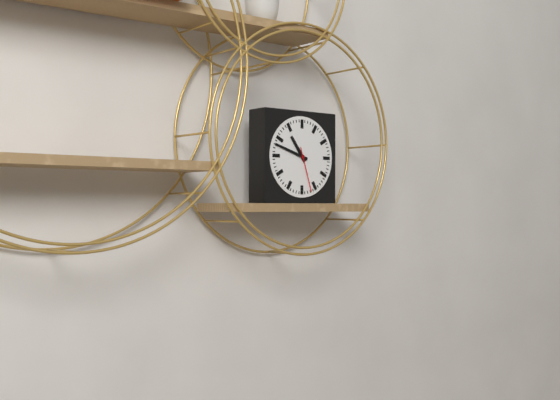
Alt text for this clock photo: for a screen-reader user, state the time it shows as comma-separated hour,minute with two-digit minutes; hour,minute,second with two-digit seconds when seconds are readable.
10,48
